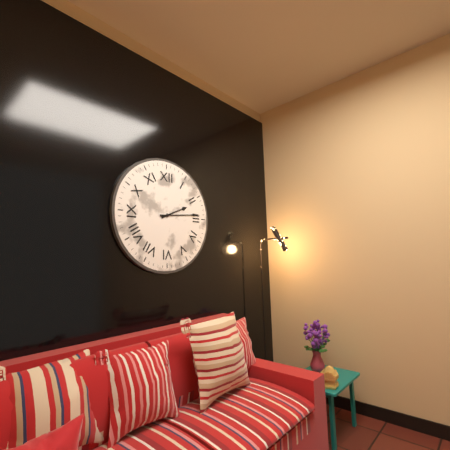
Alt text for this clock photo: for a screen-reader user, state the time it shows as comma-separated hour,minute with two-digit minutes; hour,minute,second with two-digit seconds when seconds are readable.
2,14
